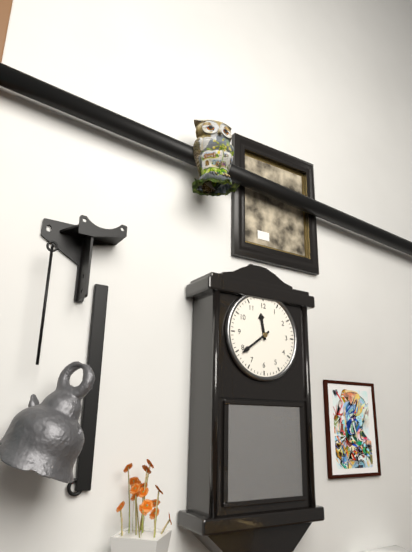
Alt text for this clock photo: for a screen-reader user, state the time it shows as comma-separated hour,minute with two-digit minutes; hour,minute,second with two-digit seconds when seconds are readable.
11,39
